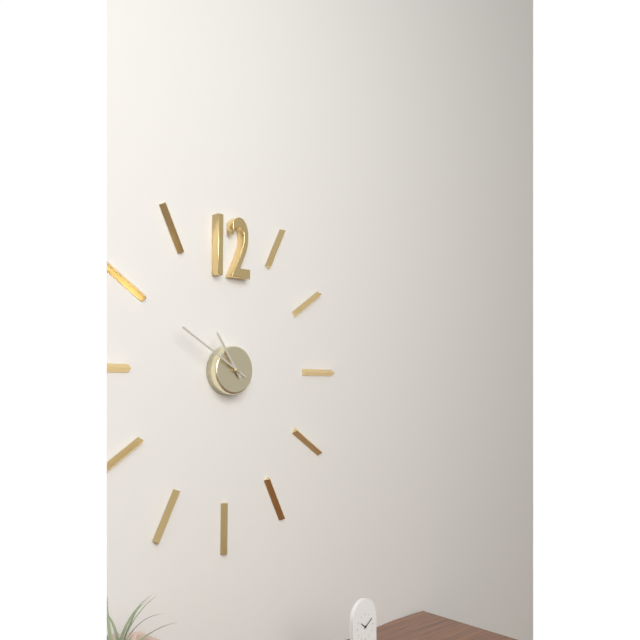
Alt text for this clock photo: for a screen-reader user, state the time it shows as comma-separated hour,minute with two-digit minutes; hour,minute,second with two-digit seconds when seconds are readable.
10,50
